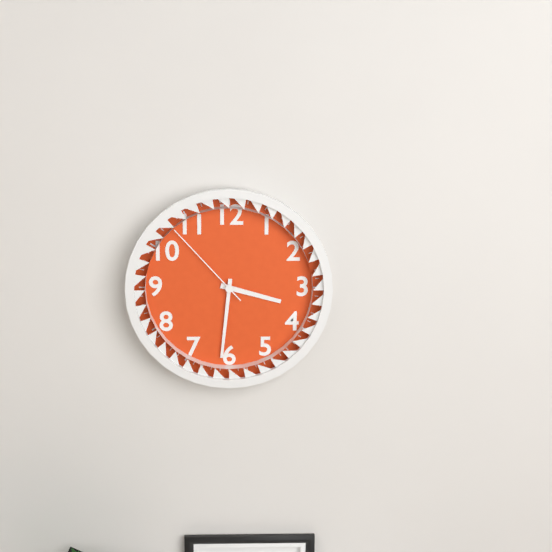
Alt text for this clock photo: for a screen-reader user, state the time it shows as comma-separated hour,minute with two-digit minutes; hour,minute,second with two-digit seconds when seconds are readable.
3,31,53
